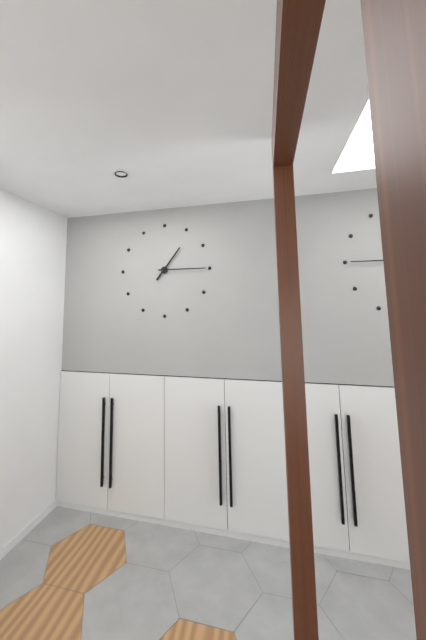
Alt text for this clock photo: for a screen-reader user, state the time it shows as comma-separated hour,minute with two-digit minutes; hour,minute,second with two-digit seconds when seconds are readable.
1,15
